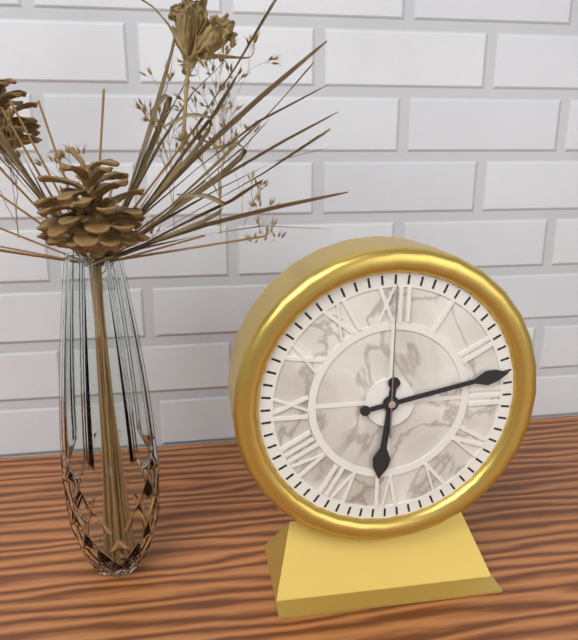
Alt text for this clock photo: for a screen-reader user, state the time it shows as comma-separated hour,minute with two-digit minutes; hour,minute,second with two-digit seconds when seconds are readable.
6,13,00
